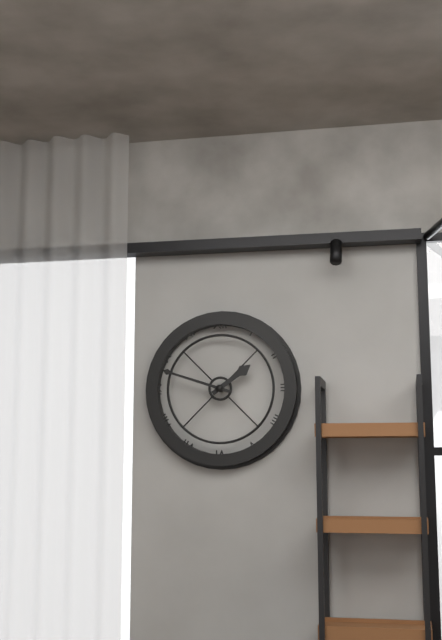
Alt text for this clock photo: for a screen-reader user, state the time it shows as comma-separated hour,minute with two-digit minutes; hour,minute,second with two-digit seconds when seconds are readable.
1,48
